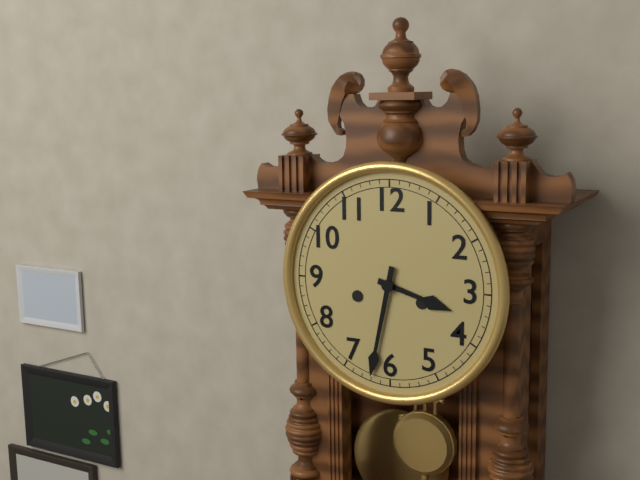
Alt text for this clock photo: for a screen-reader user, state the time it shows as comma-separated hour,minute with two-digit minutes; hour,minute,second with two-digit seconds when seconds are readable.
3,32
